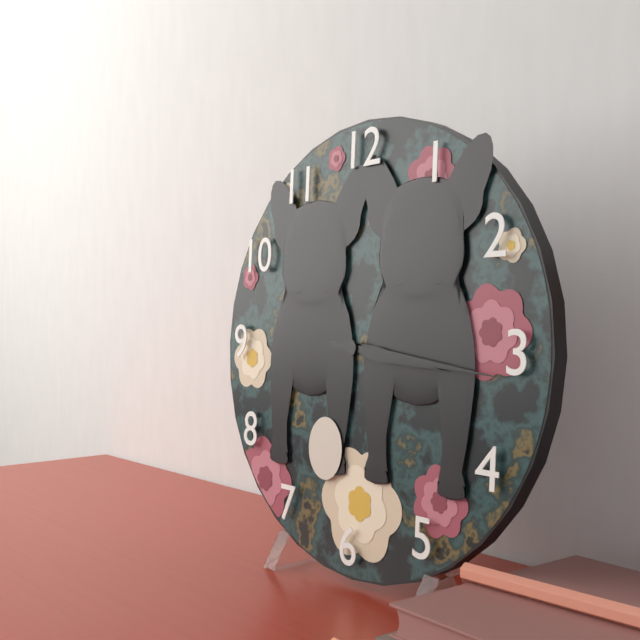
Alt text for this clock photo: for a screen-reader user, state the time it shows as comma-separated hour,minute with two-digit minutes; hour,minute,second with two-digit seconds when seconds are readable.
3,16
